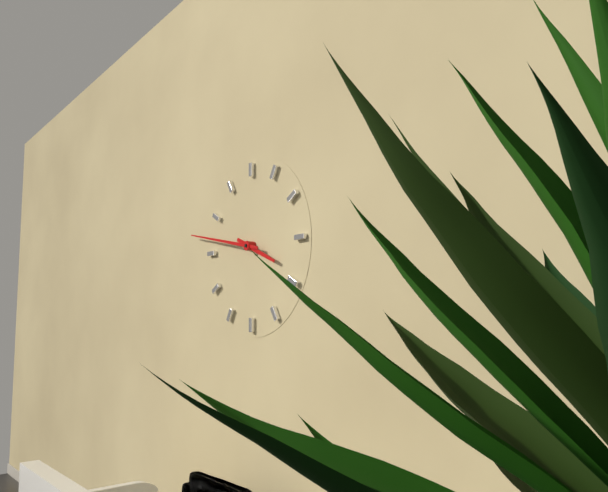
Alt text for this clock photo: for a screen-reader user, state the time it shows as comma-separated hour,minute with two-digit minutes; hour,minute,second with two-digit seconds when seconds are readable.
3,47
